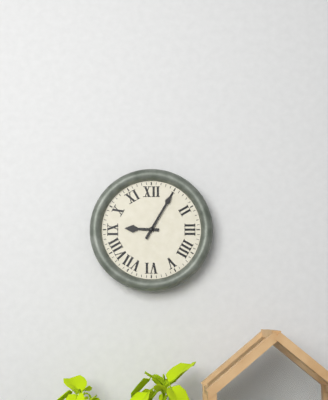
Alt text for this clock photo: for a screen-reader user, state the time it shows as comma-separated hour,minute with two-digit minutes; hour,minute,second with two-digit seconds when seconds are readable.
9,05
